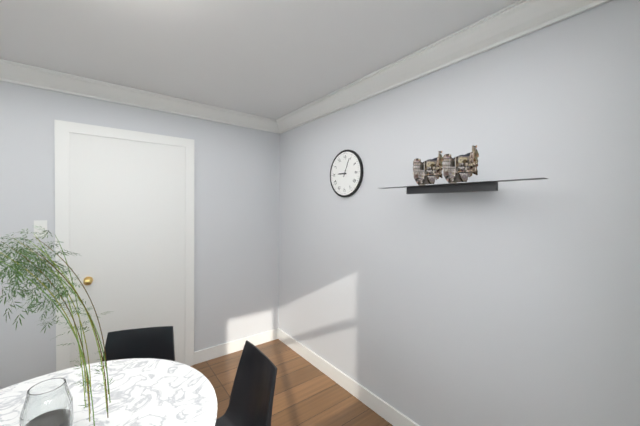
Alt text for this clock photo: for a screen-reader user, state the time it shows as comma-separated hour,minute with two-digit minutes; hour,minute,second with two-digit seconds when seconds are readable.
9,04
